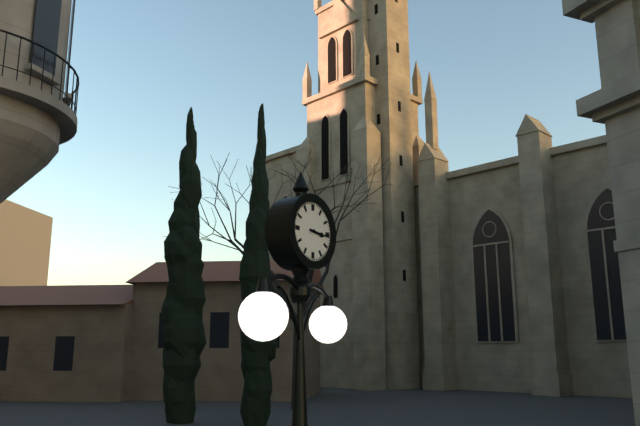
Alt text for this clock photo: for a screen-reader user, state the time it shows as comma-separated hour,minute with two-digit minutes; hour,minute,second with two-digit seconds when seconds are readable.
3,16
